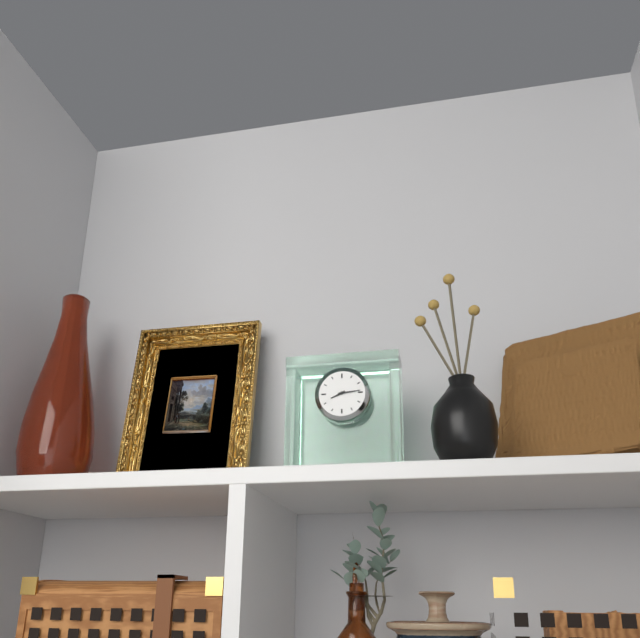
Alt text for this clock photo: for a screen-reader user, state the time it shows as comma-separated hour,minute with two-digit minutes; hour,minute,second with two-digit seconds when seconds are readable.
8,14
